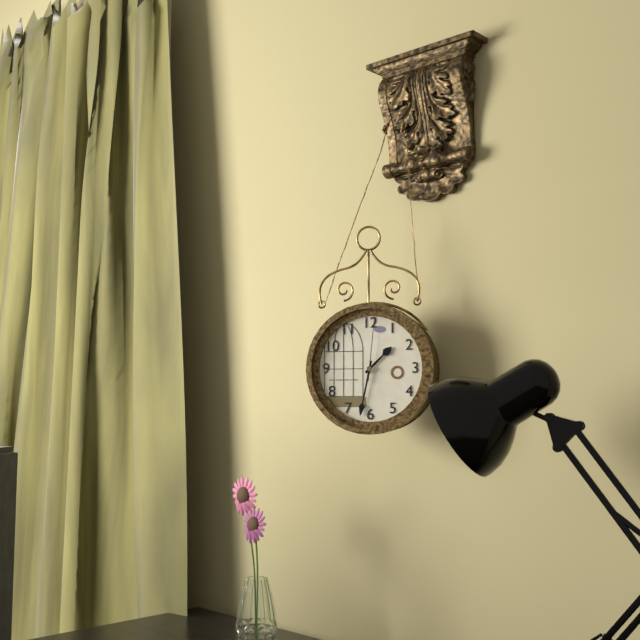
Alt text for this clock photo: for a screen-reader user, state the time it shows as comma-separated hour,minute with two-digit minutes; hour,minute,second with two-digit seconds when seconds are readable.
1,32,01
